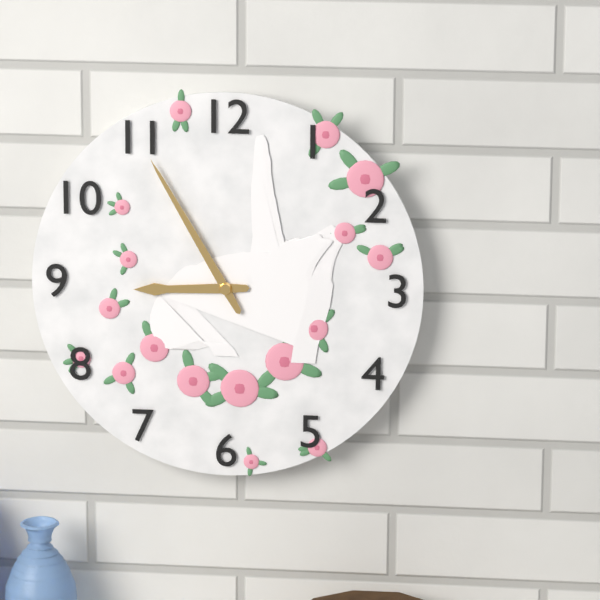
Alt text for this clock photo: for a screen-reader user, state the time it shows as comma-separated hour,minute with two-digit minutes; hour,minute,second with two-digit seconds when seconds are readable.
8,55
